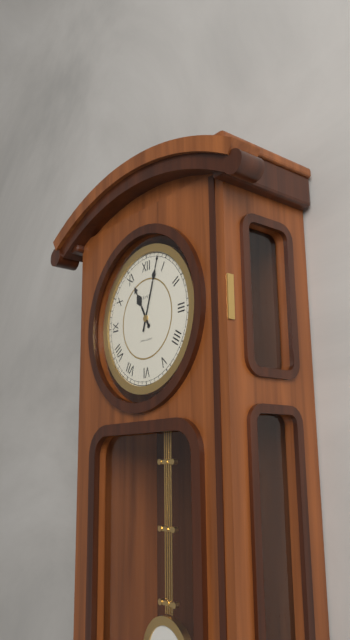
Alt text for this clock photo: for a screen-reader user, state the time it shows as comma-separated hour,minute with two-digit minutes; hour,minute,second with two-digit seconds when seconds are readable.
11,03
